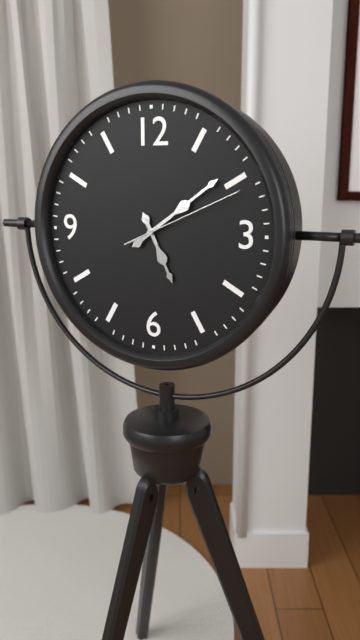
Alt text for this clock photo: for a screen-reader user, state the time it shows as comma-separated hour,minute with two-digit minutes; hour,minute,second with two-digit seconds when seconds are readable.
5,09,11
